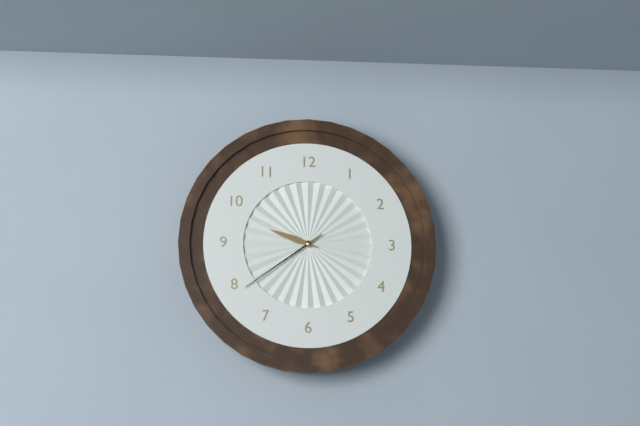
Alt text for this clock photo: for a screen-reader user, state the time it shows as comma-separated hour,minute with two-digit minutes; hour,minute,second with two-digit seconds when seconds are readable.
9,39
